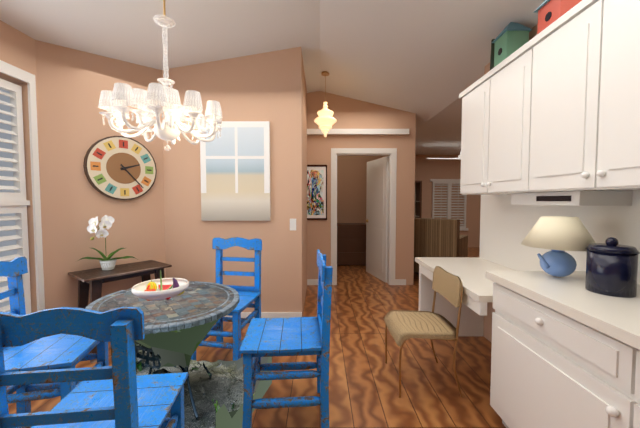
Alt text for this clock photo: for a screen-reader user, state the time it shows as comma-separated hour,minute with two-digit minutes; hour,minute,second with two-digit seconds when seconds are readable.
2,23
